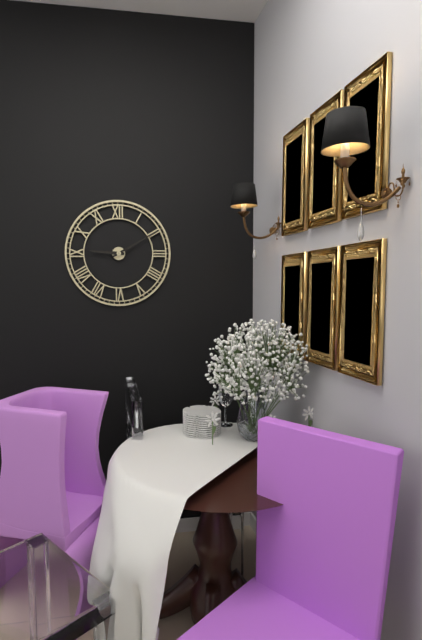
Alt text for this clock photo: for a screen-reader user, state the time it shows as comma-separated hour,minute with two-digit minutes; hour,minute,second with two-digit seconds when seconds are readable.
9,10
